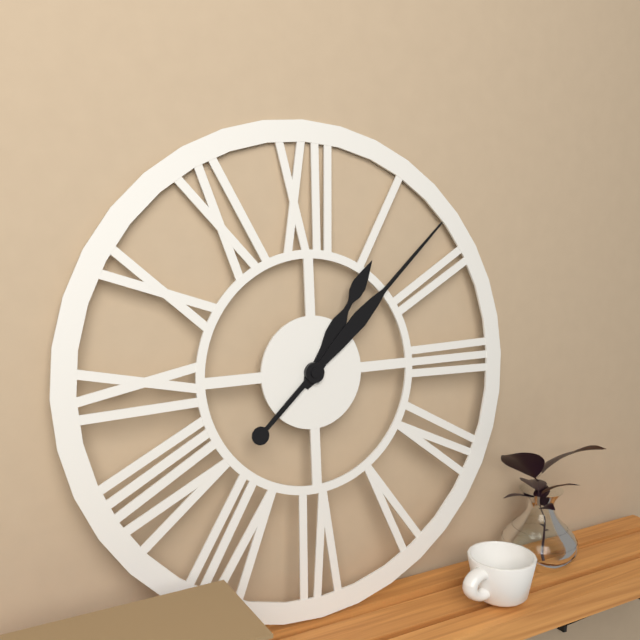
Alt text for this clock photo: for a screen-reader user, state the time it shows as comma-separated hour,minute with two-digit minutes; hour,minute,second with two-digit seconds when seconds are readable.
1,08
